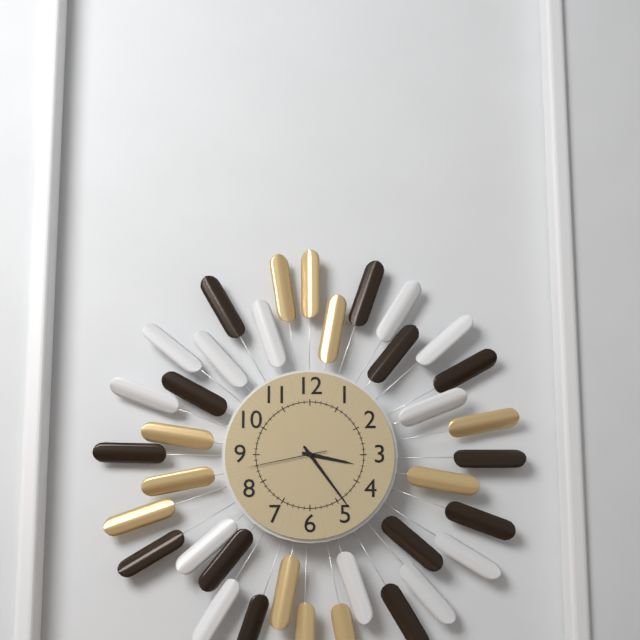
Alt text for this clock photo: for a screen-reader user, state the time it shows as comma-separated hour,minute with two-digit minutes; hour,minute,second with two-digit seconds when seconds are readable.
3,24,43
